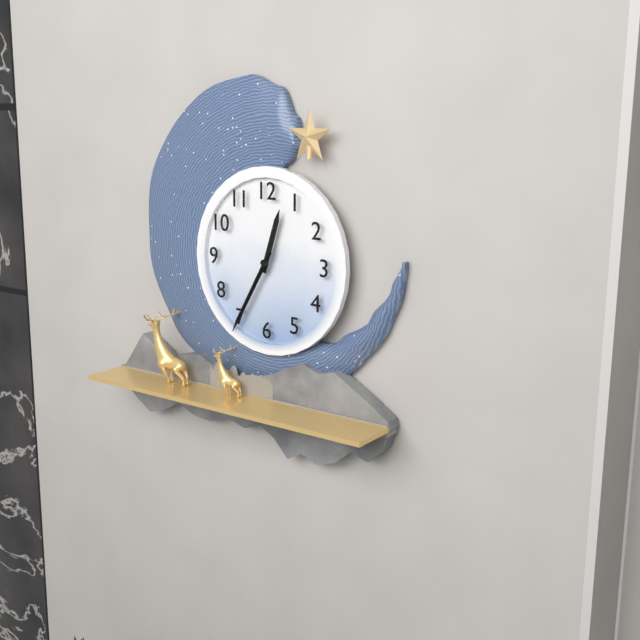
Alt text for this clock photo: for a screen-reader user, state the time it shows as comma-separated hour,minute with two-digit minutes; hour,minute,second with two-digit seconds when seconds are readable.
12,35,35
